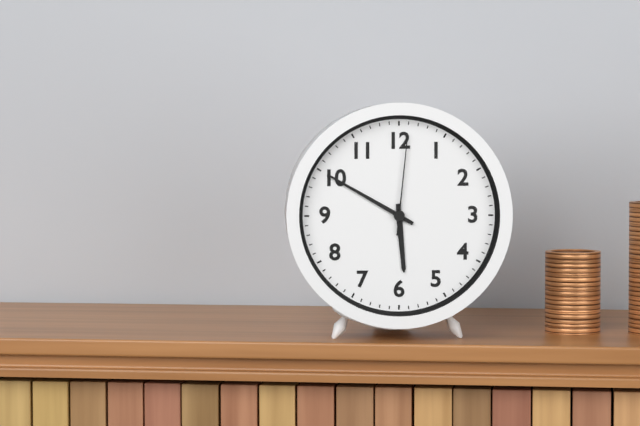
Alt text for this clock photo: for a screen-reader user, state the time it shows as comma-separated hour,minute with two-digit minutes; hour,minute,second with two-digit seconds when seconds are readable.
5,50,01
